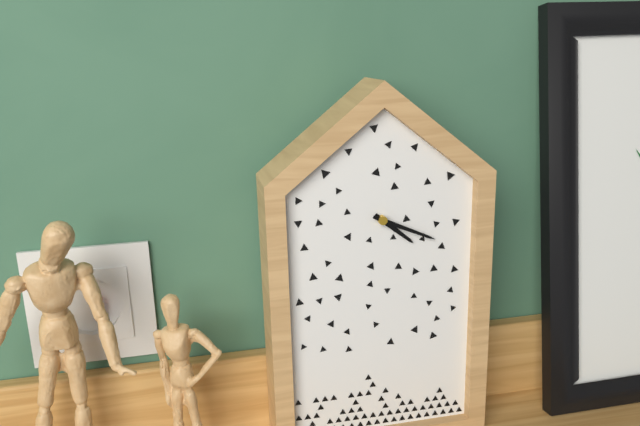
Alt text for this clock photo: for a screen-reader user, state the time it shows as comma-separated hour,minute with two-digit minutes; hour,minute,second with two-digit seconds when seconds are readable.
4,19
